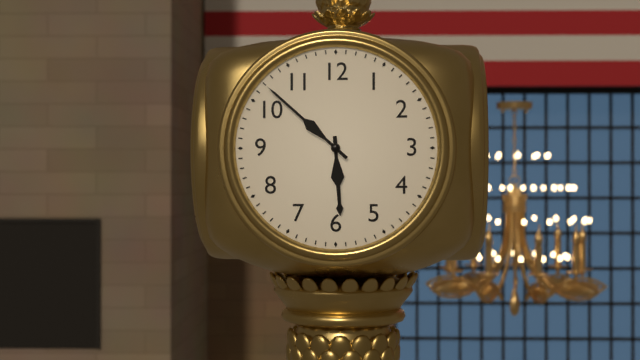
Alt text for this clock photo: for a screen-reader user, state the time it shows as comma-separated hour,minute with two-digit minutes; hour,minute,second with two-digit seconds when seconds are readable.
5,52
